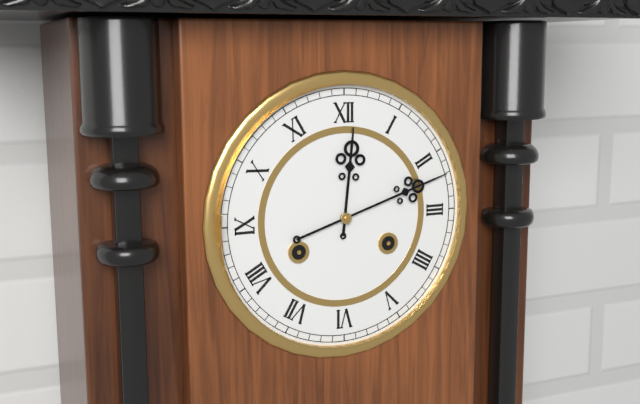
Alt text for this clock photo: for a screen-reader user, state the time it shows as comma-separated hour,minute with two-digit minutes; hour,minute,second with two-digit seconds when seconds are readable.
12,12
